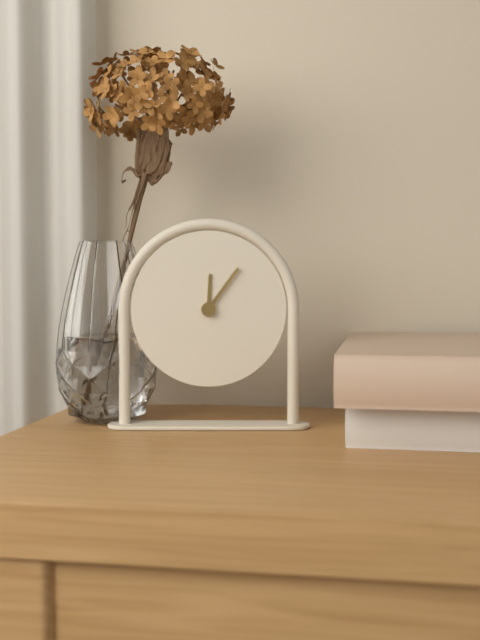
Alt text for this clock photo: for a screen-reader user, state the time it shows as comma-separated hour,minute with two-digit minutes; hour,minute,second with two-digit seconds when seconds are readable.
12,06
